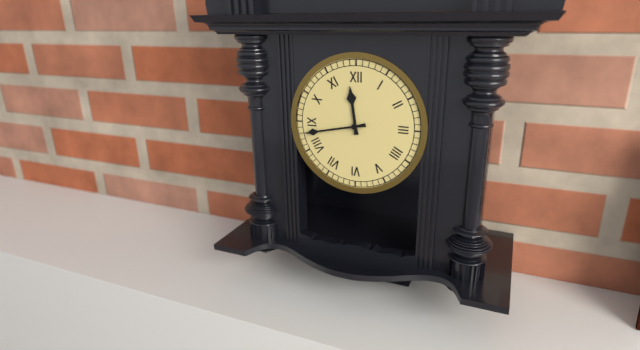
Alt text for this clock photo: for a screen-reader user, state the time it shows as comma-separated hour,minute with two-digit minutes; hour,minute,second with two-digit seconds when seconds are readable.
11,43
